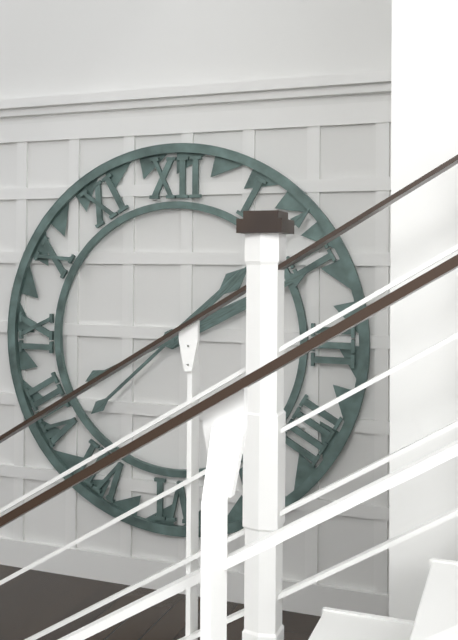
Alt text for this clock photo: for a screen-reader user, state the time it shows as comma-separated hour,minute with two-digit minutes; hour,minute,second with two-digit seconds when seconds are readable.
2,08
